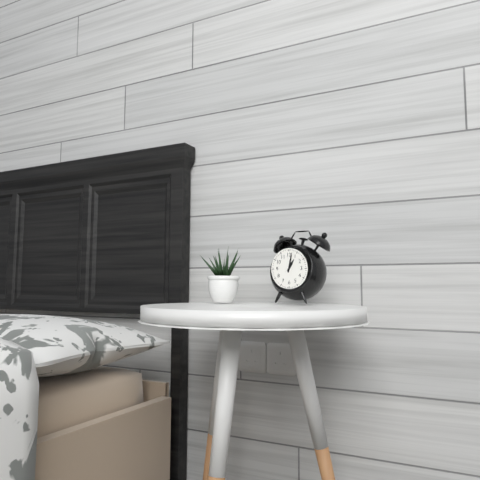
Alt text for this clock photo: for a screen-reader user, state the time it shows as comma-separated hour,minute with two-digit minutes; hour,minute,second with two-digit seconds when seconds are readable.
1,02
